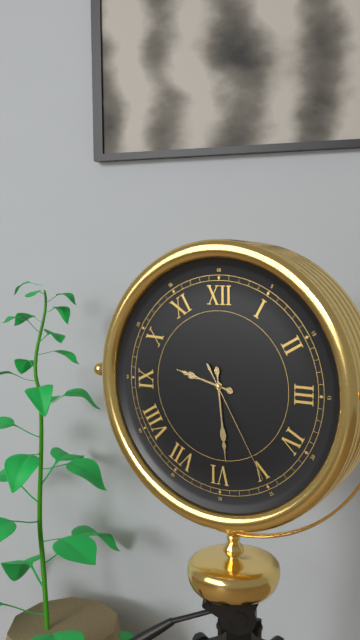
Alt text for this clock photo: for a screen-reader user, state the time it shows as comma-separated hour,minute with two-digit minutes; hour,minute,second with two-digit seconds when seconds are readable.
9,29,25
